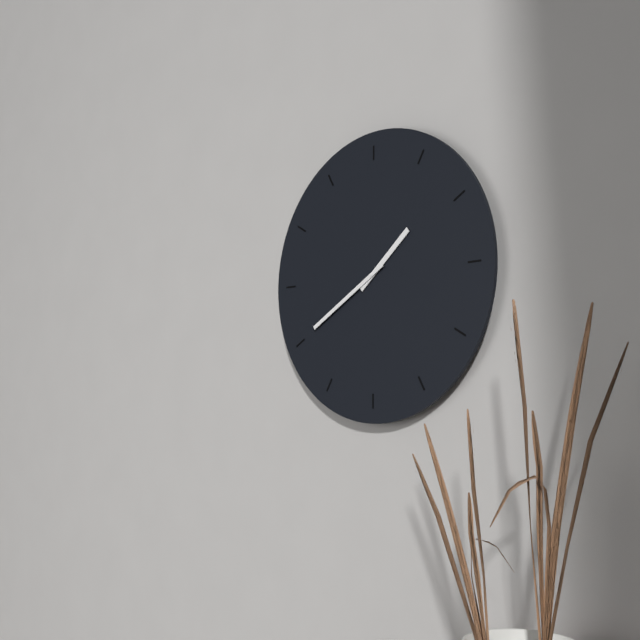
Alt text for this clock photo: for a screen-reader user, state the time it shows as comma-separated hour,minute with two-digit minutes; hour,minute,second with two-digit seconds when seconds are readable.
1,40
